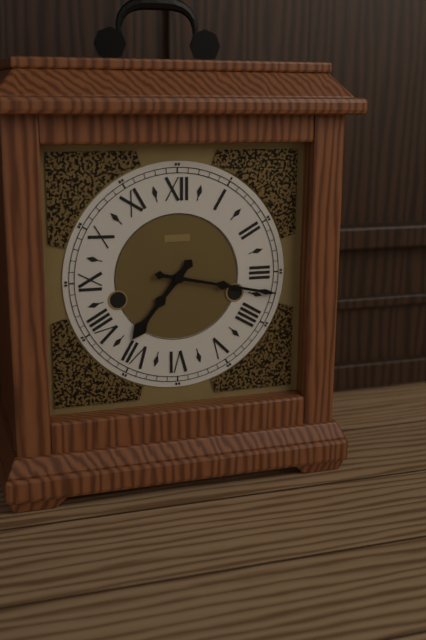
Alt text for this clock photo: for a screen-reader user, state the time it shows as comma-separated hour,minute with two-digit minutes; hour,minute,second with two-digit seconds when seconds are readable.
7,17
